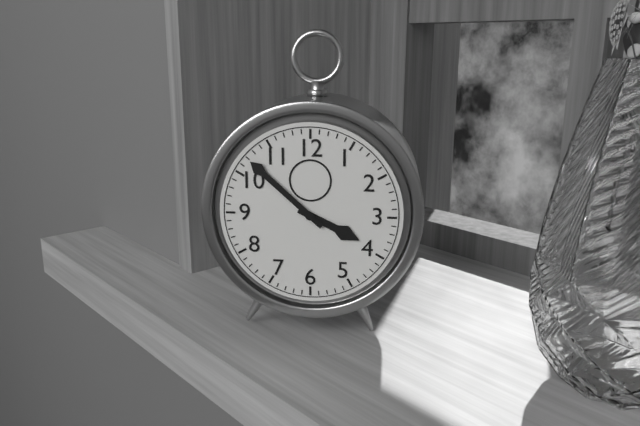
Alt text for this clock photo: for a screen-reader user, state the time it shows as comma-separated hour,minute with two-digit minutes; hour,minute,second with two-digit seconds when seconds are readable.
3,52
